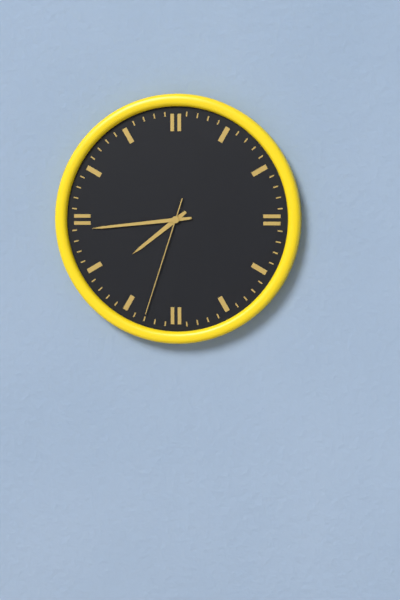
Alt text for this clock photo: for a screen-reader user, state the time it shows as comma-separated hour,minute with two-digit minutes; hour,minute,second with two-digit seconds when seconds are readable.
7,44,33
